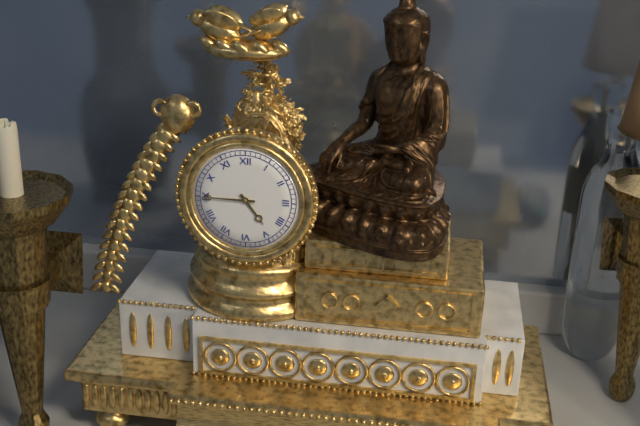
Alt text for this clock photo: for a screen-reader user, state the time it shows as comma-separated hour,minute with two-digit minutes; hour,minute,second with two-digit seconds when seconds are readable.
4,45
